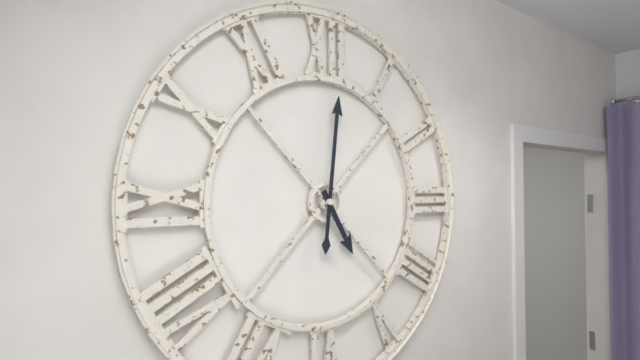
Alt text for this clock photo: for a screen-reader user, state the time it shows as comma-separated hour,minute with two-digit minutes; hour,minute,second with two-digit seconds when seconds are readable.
5,01
